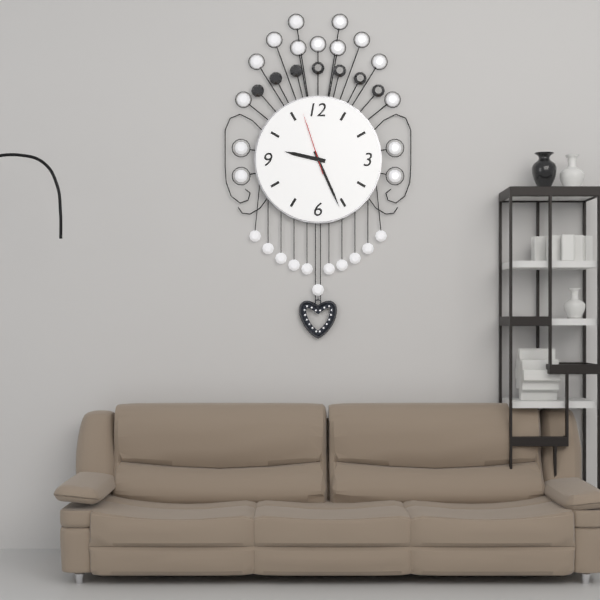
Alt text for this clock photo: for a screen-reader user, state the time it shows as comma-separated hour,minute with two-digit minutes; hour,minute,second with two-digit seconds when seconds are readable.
9,26,57
